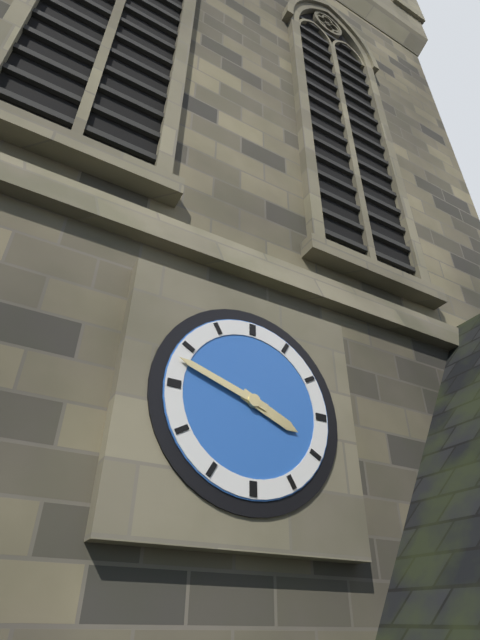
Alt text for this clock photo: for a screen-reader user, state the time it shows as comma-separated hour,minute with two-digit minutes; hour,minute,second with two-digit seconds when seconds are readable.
3,48
